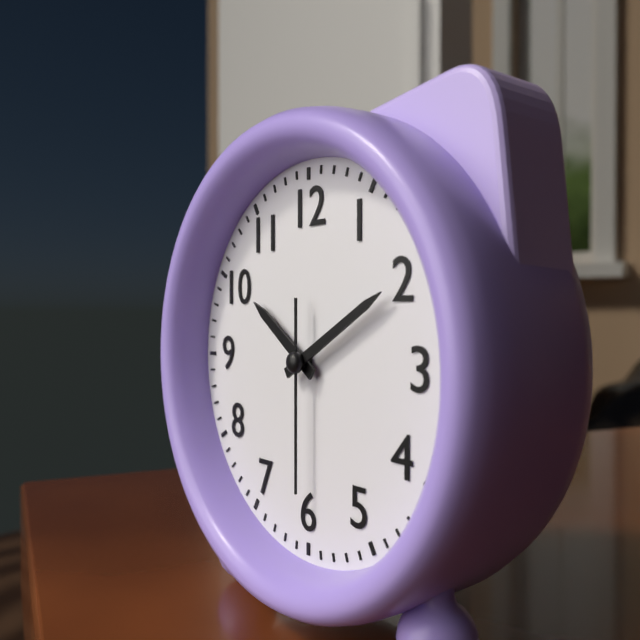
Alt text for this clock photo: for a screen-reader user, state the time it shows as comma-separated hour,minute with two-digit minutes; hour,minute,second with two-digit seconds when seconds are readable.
10,10,30
